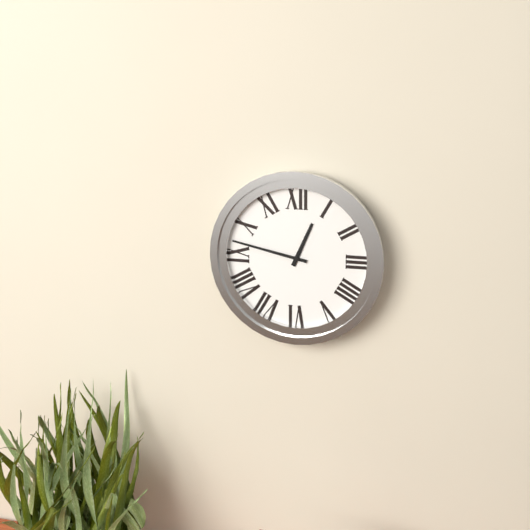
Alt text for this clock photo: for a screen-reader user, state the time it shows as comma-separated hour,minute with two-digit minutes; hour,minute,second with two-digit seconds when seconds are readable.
12,47
